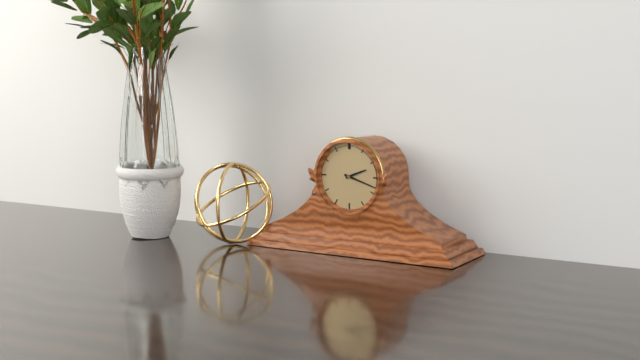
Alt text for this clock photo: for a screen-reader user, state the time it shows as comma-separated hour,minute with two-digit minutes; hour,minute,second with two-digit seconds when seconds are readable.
2,18
